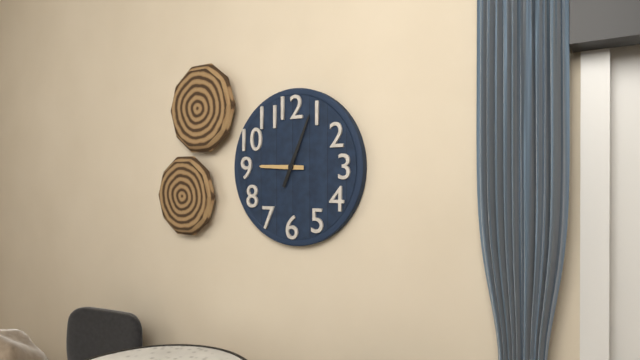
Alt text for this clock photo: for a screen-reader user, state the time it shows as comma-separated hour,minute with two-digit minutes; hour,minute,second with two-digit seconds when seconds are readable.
9,04
